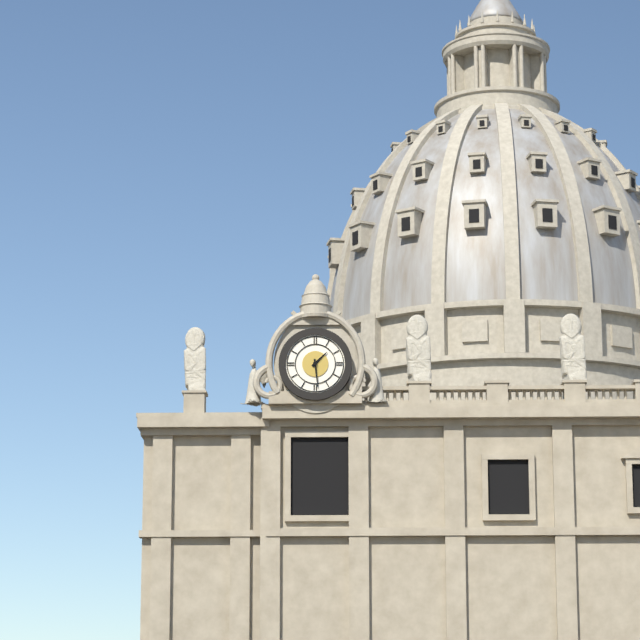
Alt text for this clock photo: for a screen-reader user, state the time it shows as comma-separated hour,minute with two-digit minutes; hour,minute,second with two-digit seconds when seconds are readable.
1,29
